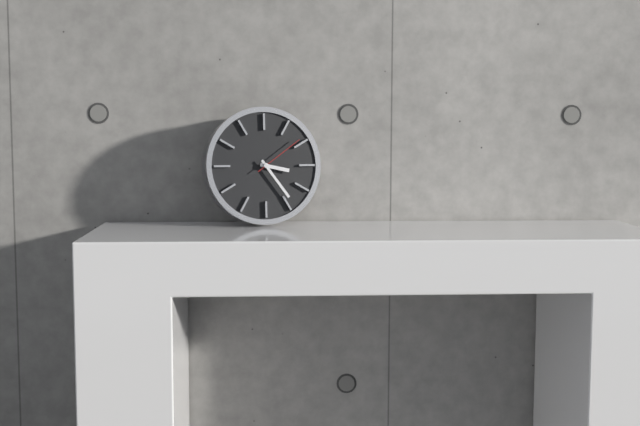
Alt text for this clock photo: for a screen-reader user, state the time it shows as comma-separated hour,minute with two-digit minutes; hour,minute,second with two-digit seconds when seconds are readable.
3,24,09
